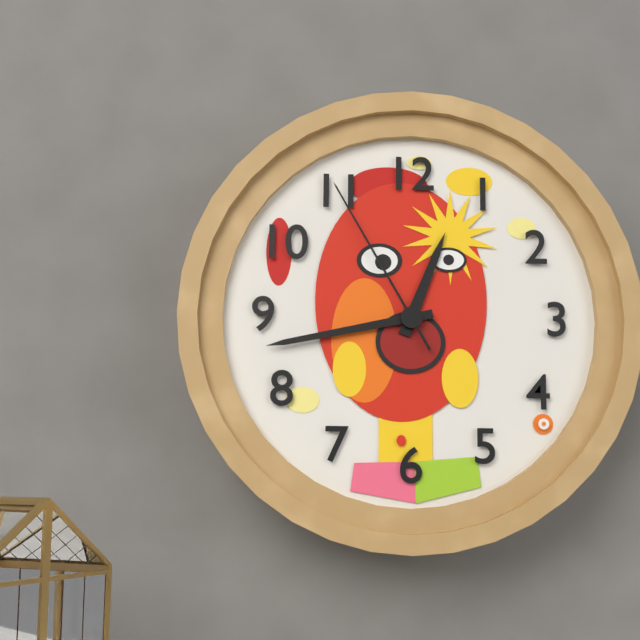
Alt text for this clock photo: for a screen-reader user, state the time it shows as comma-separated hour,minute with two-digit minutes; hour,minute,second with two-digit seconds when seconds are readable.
12,43,55
